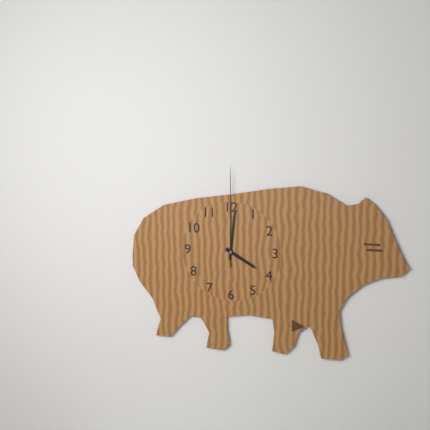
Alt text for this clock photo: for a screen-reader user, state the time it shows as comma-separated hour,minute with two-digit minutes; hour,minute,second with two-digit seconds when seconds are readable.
4,01,00
